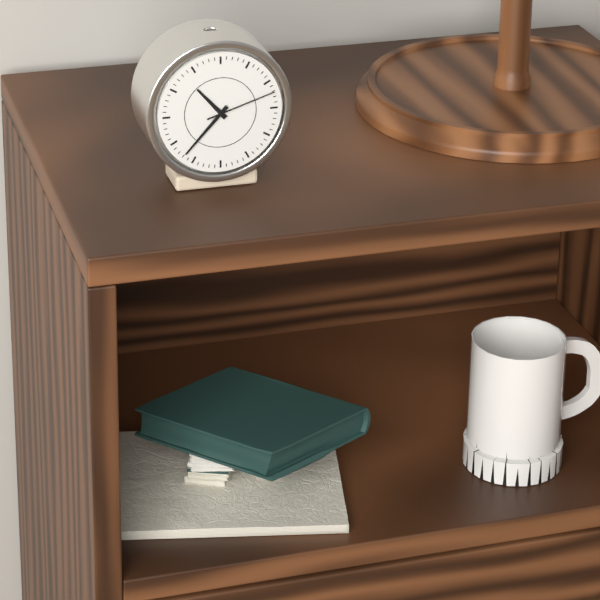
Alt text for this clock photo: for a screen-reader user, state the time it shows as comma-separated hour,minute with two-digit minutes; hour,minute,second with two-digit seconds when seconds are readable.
10,37,12
